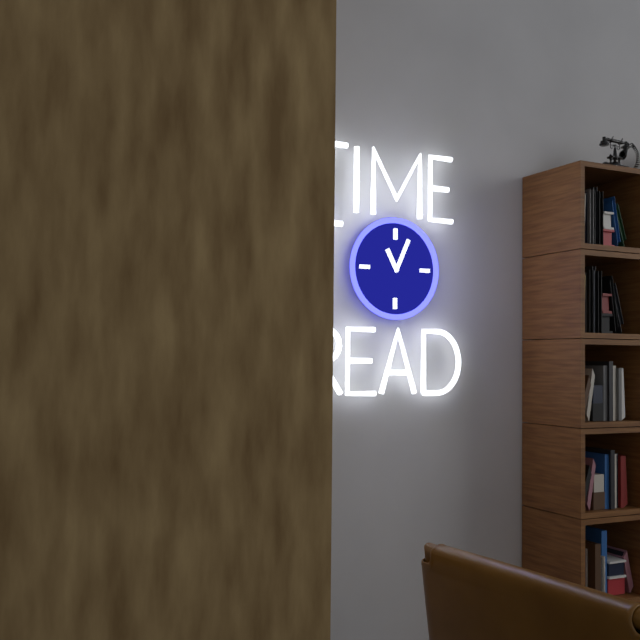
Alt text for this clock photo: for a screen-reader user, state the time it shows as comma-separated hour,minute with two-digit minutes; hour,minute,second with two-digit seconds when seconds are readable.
11,04
